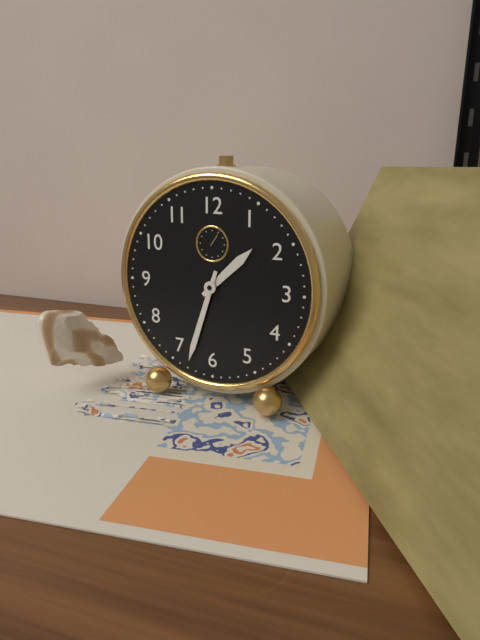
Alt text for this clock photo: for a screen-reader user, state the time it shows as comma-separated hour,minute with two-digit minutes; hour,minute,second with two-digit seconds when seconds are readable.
1,33
